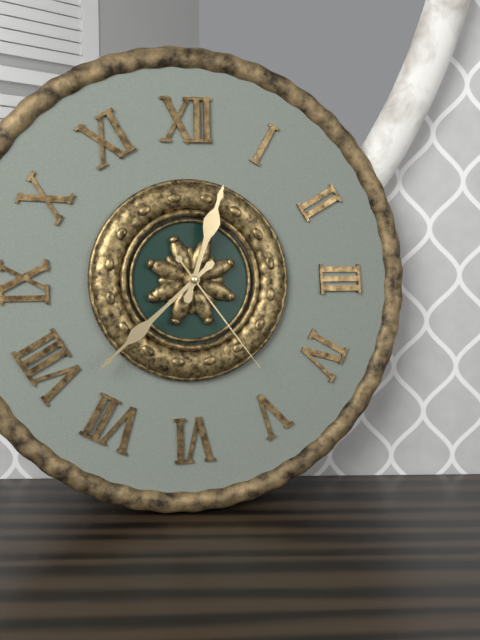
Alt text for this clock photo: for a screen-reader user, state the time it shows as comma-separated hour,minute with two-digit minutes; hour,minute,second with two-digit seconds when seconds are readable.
12,38,24
